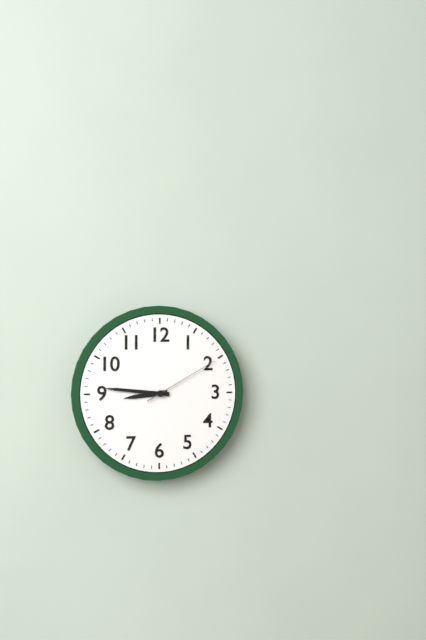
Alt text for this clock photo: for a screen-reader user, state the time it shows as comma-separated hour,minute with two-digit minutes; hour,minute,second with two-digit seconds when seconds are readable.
8,46,10
